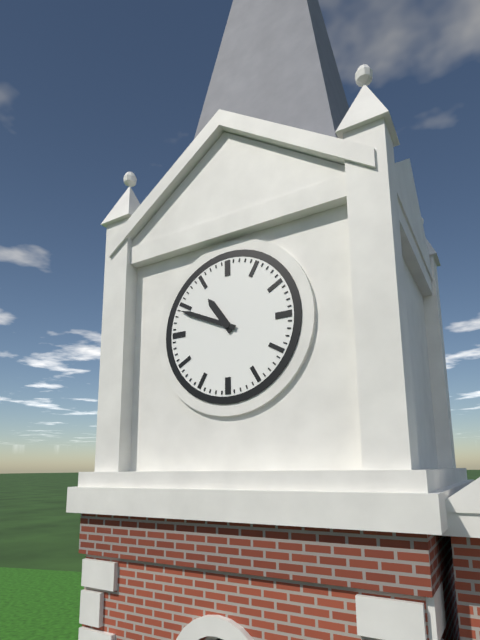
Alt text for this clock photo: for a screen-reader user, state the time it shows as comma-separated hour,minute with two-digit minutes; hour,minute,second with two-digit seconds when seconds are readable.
10,49
